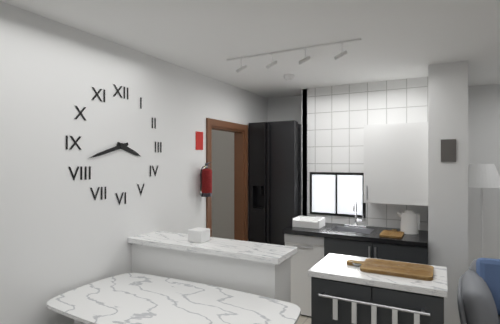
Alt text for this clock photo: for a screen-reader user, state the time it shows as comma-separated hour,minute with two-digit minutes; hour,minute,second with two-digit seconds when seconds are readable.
3,42
